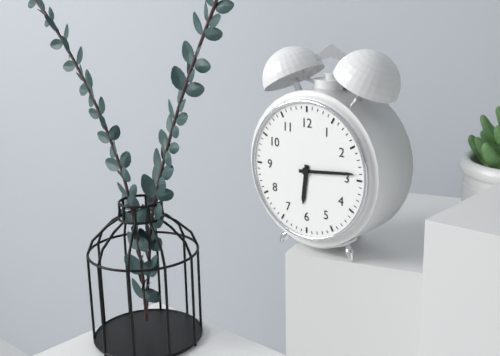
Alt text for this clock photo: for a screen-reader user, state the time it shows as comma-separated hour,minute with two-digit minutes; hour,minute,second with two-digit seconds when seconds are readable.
6,14
